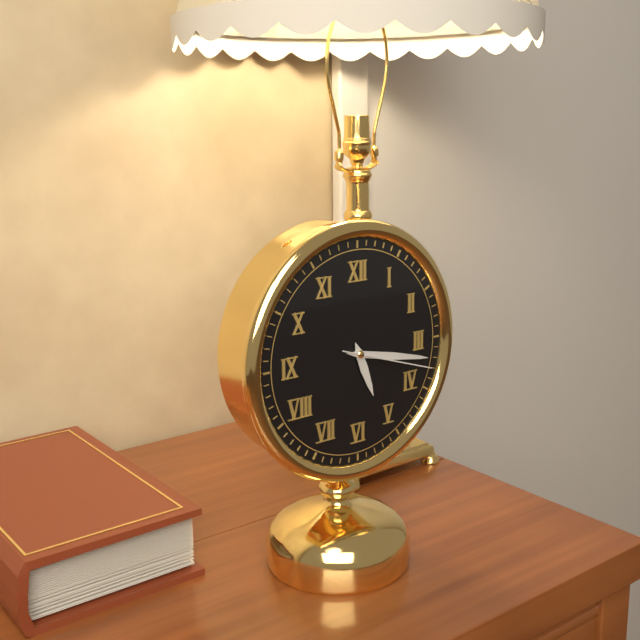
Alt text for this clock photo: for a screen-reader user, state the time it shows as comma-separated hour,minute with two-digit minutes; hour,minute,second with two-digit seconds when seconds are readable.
5,17,18
